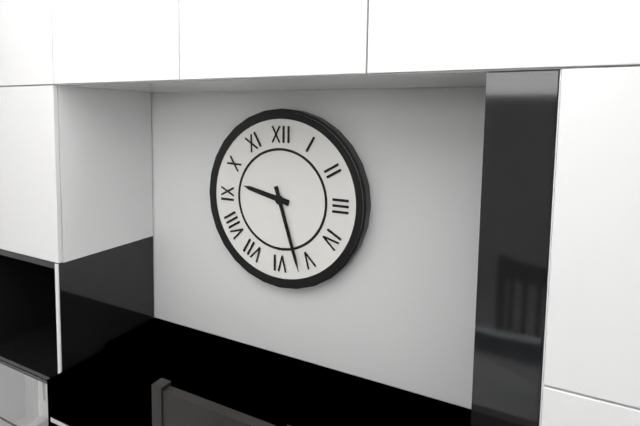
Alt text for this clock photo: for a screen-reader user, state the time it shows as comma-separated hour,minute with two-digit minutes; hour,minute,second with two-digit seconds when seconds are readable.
9,27
